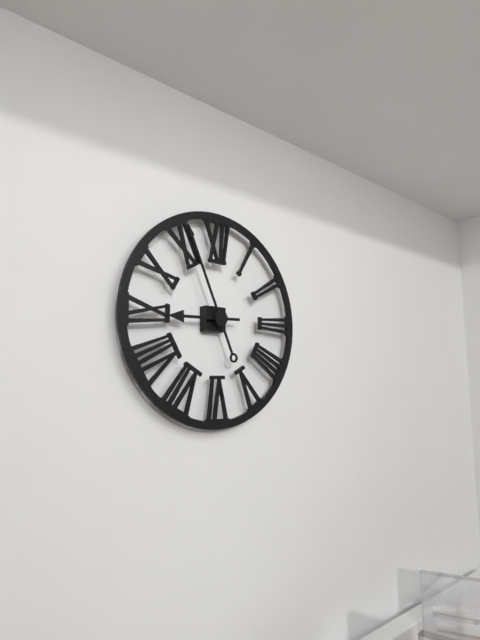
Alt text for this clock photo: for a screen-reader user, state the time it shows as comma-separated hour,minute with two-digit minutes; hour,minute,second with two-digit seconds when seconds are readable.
8,56
